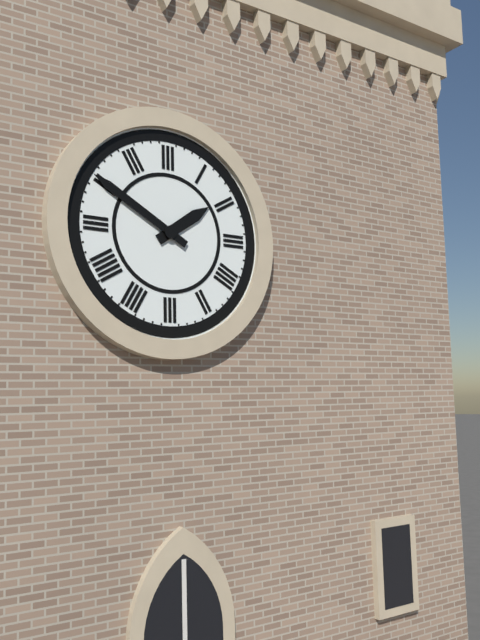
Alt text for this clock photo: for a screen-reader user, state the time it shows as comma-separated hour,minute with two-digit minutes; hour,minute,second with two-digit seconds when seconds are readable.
1,50
